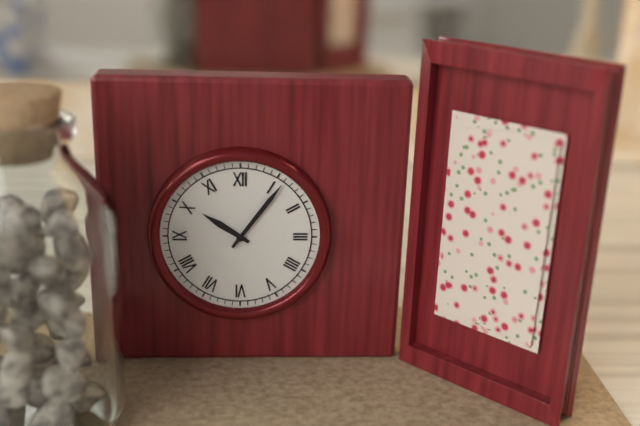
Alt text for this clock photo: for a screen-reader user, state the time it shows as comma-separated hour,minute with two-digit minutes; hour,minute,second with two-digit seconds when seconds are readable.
10,06
